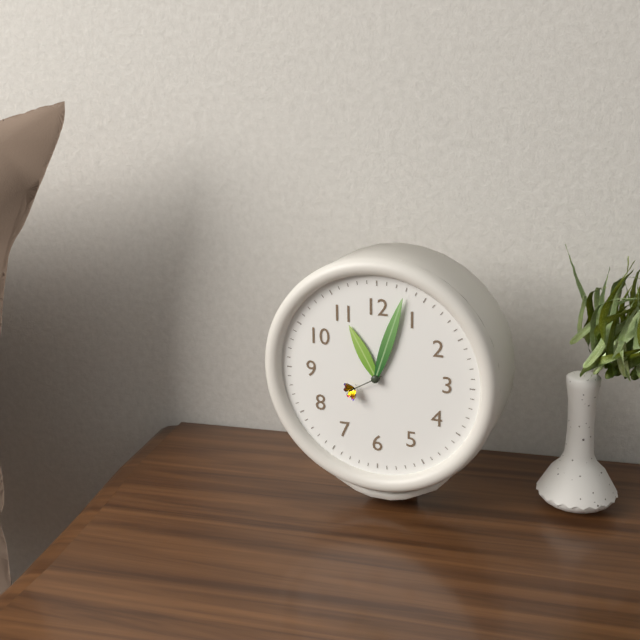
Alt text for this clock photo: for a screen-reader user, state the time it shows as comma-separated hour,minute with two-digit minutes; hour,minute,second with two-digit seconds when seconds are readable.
11,03
